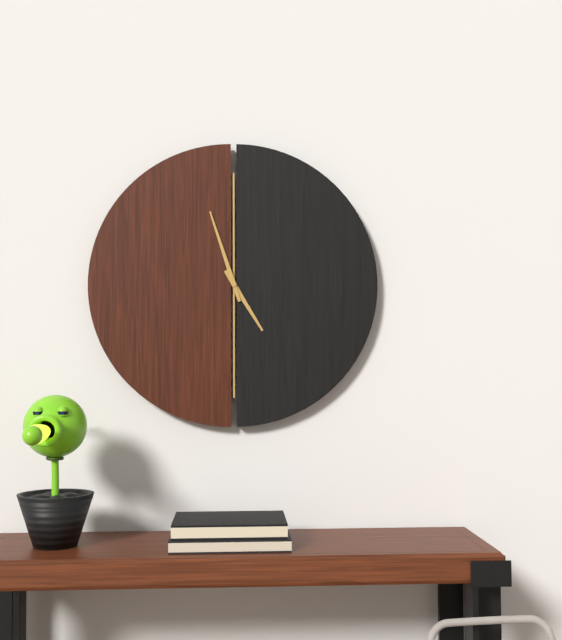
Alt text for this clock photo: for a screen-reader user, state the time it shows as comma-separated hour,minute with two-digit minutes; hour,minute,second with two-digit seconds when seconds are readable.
4,57
